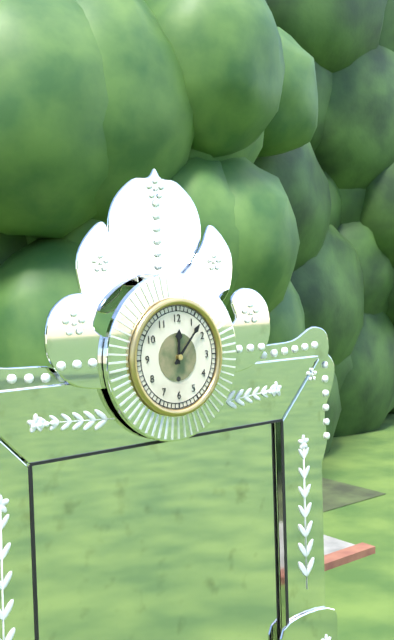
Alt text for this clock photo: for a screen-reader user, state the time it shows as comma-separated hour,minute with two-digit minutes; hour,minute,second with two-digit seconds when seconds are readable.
12,07
